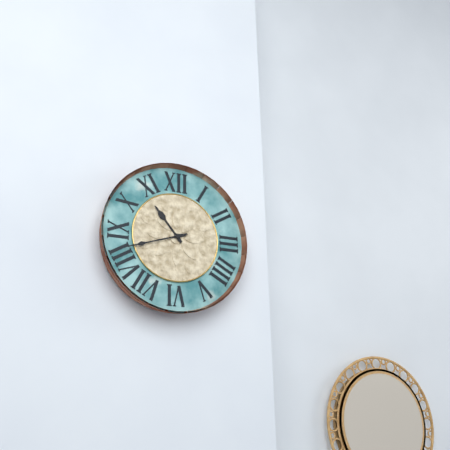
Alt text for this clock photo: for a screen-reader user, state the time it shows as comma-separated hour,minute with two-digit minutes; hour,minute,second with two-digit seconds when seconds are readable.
10,42
